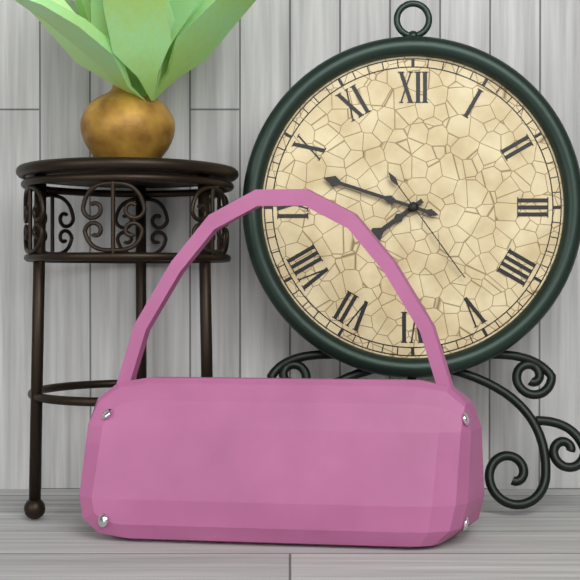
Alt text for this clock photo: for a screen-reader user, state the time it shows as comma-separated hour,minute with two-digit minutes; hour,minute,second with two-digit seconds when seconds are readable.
7,48,24
